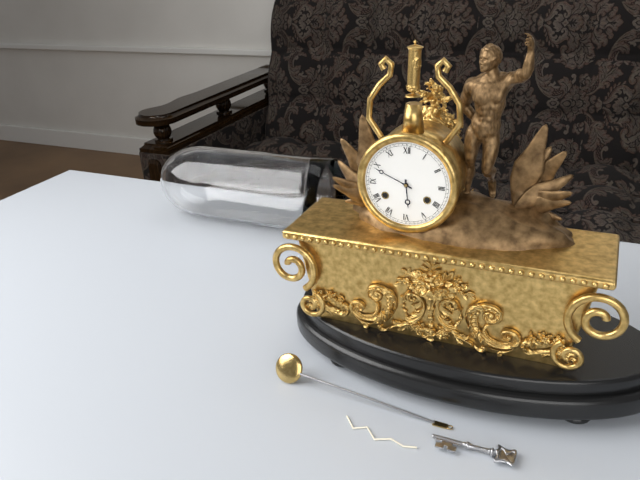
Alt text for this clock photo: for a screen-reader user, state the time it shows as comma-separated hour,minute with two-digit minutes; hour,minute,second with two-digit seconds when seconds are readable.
5,49
